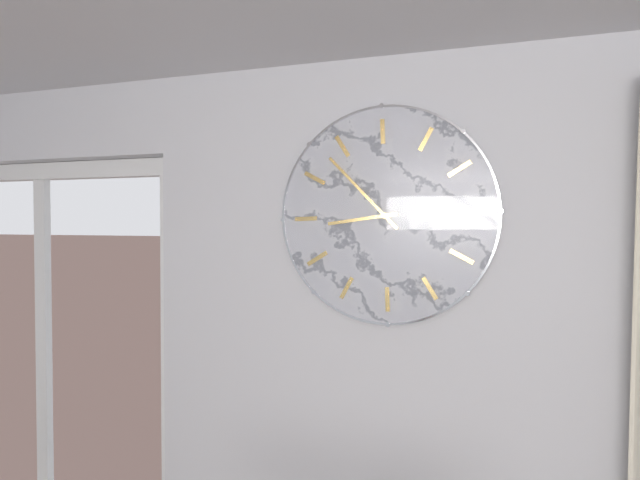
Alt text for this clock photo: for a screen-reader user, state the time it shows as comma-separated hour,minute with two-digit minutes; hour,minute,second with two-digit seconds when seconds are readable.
7,48
